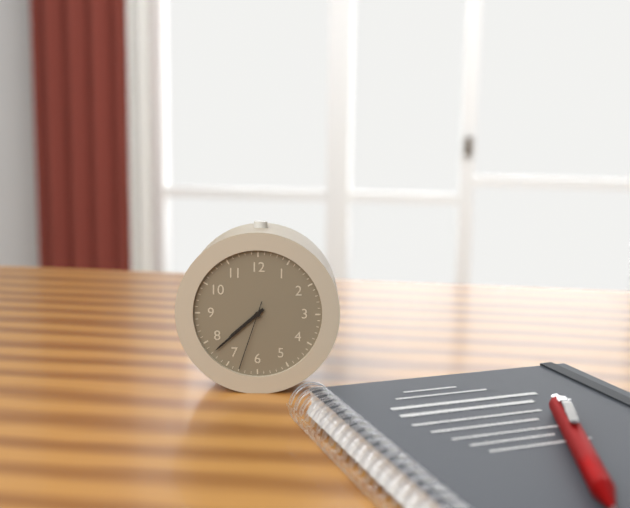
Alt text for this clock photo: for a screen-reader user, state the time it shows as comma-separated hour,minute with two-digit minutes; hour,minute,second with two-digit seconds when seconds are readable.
7,38,33
